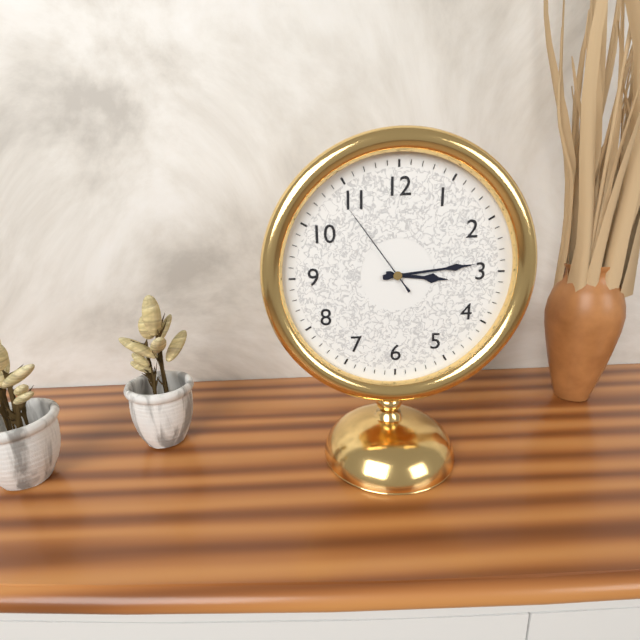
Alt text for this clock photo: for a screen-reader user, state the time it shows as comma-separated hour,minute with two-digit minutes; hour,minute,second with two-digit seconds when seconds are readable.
3,14,54
